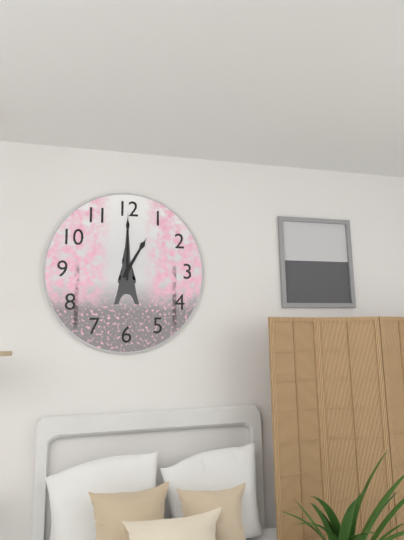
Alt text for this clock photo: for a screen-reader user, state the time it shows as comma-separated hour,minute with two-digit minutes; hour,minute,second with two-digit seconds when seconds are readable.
1,00
